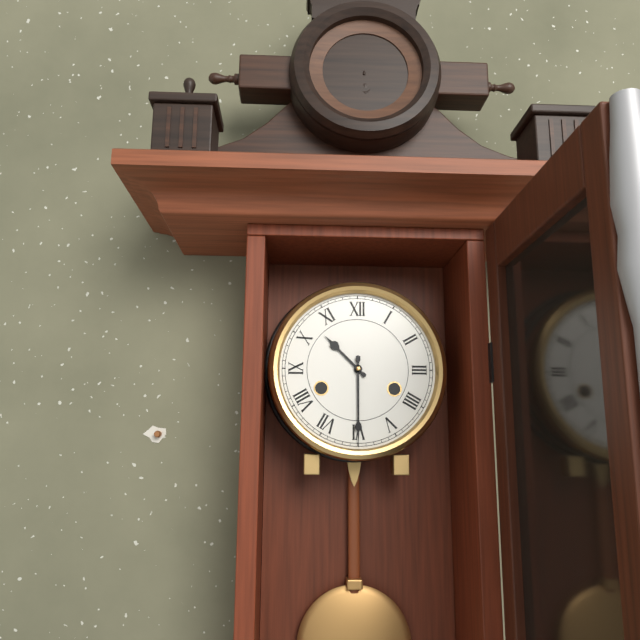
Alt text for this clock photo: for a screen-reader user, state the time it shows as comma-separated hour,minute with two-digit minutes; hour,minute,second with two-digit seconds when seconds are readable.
10,30
